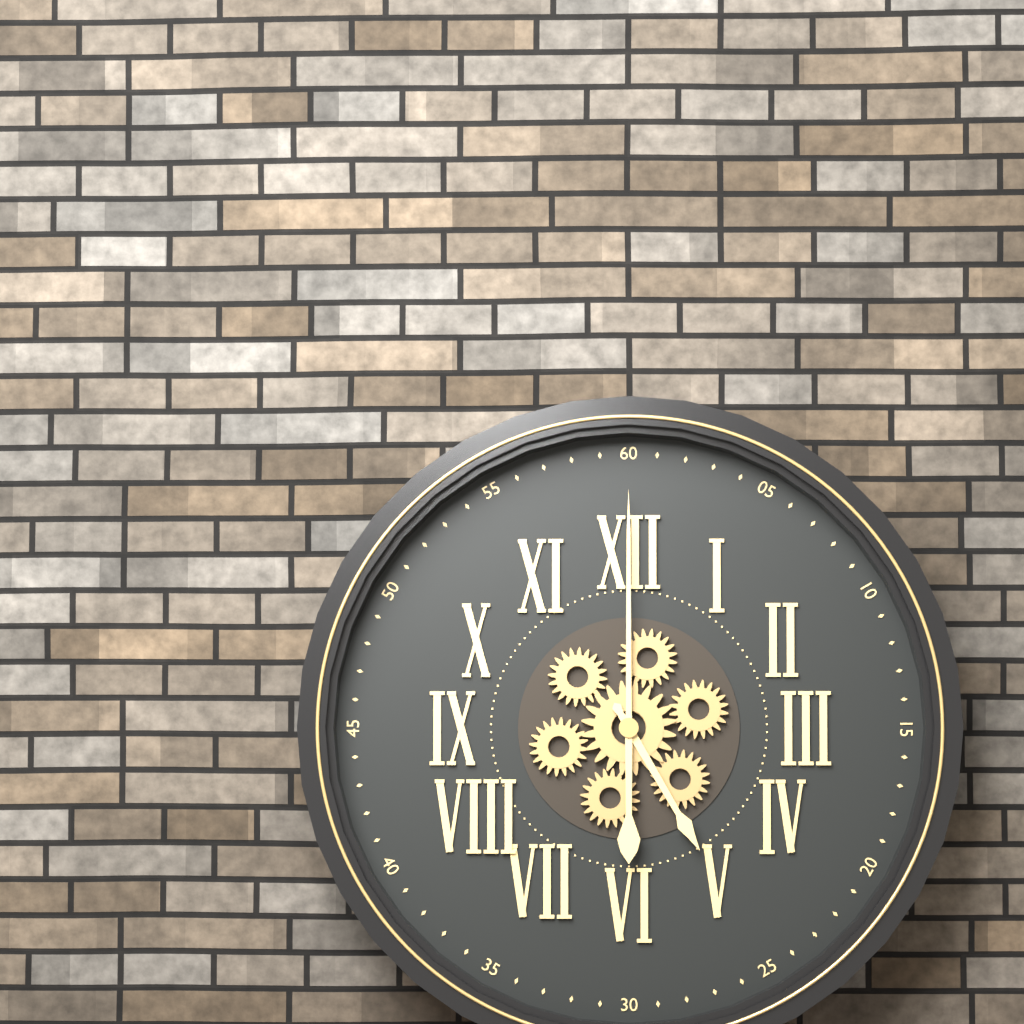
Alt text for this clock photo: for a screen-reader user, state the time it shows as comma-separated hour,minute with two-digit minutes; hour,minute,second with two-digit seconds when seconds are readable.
5,00
